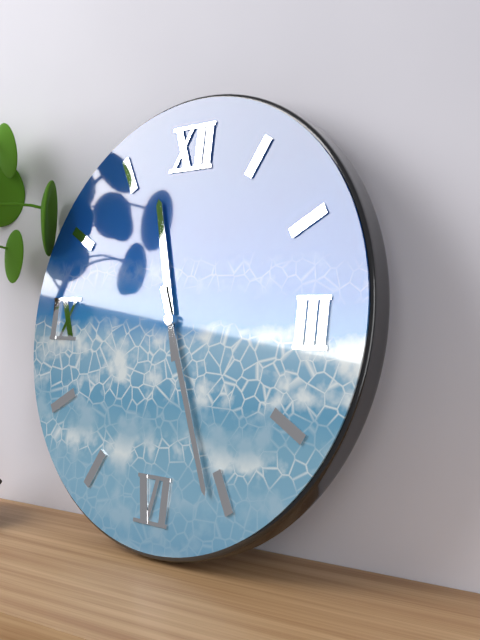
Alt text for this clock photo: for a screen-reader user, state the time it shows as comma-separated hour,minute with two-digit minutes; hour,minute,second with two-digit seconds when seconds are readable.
11,26
